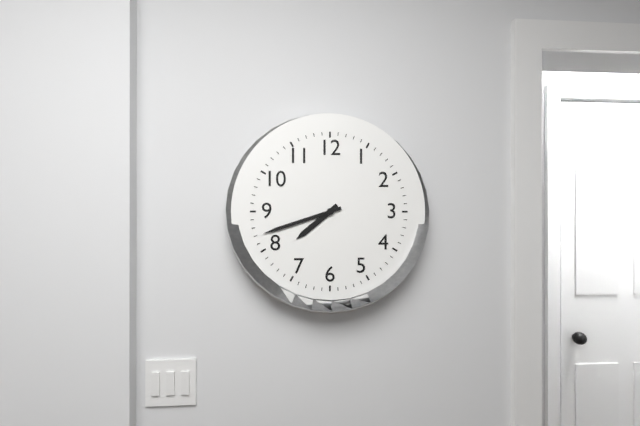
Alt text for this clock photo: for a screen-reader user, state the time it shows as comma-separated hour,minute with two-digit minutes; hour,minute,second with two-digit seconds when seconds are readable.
7,42
